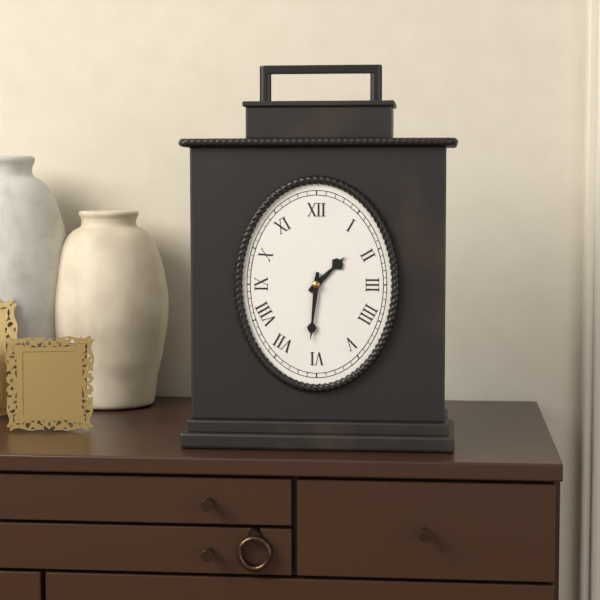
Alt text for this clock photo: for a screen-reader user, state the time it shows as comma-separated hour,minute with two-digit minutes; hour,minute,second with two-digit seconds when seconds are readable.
1,31
